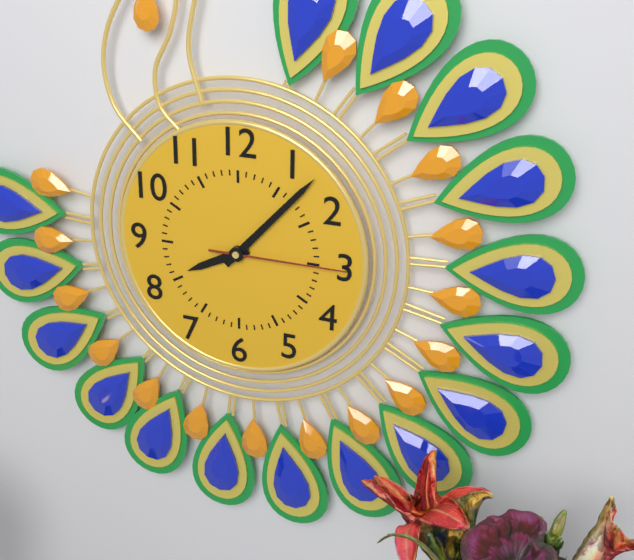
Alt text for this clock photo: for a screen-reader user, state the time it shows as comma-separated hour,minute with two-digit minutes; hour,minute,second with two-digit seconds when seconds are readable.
8,07,15
